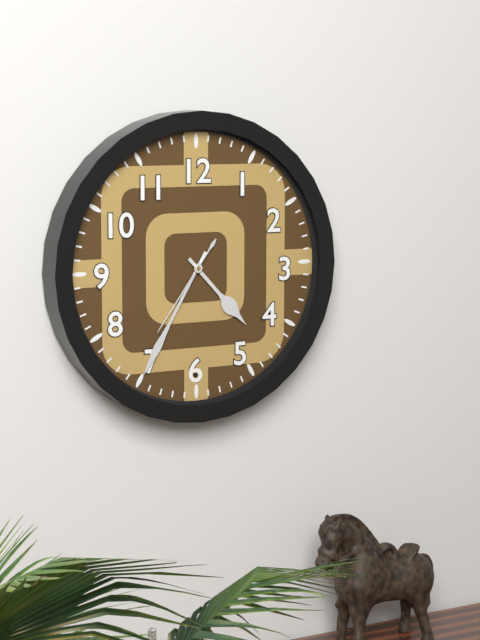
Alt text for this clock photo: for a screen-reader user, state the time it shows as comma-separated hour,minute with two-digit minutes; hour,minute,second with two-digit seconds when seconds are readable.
4,35,36
